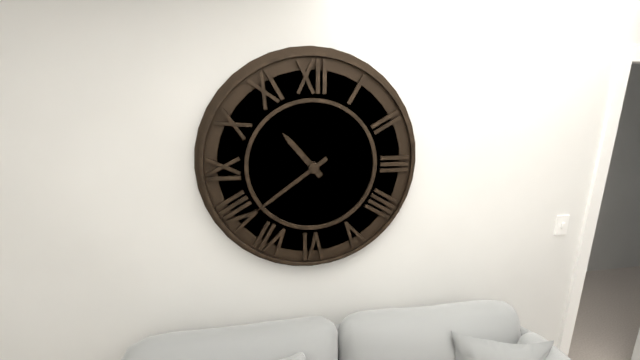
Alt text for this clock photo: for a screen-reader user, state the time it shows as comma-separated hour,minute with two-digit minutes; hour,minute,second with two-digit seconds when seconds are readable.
10,39
